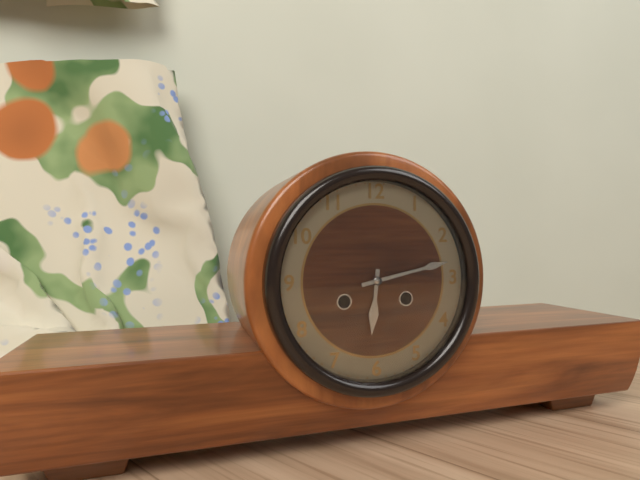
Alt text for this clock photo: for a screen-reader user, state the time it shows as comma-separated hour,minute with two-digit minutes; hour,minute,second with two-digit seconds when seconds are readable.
6,13
